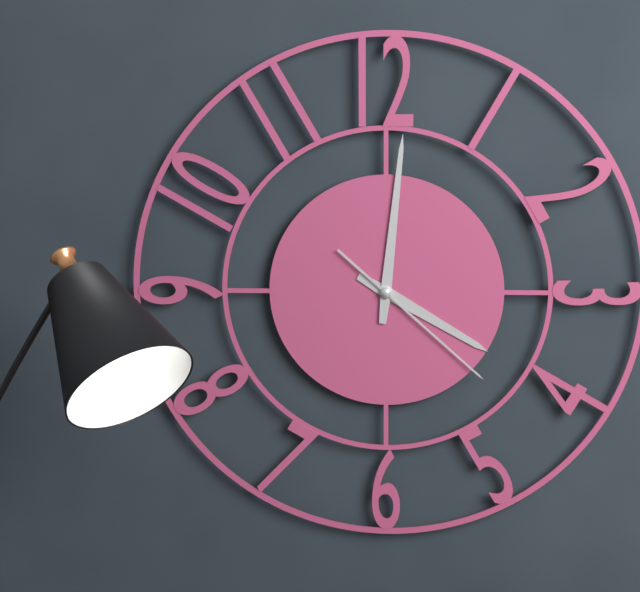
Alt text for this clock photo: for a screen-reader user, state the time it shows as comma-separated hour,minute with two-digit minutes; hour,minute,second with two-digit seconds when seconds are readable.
4,01,22
